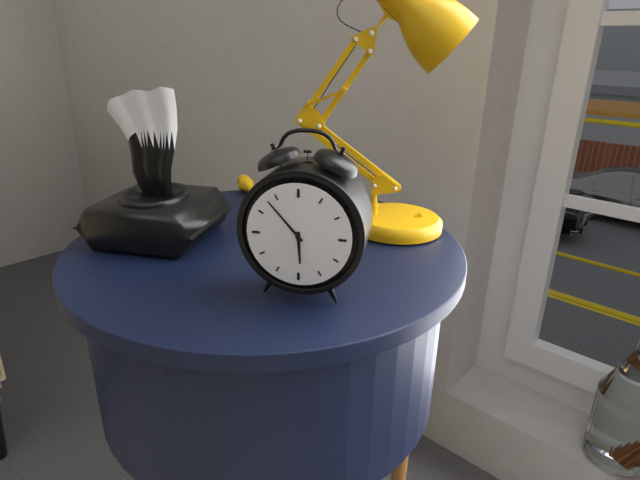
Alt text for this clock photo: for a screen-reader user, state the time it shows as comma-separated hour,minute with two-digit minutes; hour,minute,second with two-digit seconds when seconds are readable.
5,53
